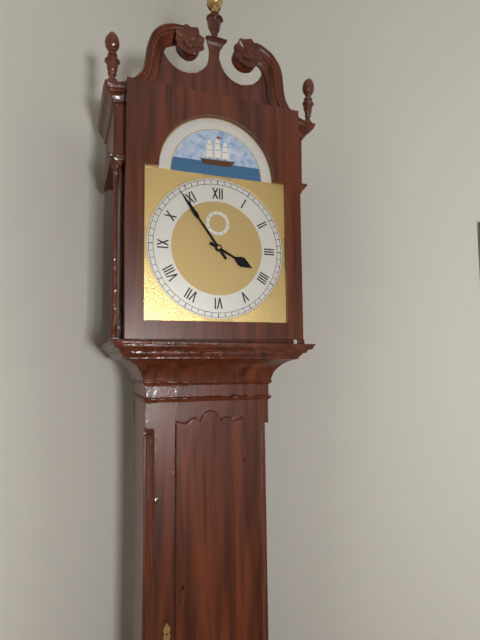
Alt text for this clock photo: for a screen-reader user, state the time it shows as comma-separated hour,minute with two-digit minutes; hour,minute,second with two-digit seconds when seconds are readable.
3,54
